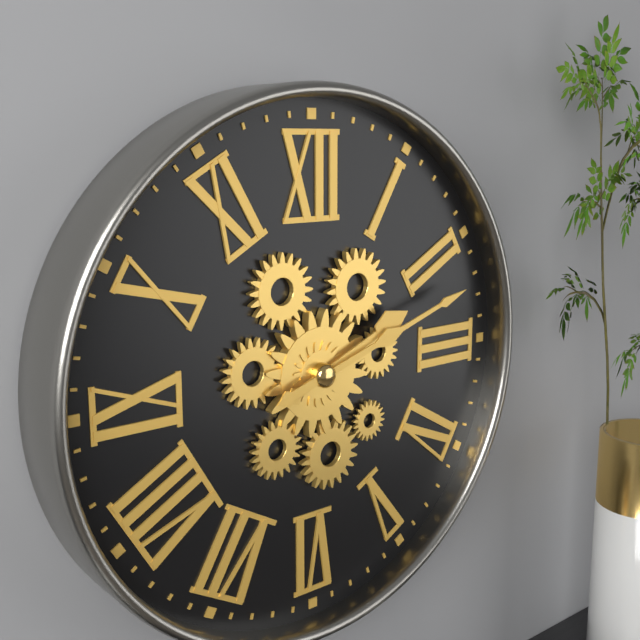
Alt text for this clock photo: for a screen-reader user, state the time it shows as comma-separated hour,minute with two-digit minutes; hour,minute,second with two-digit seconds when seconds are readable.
2,12
